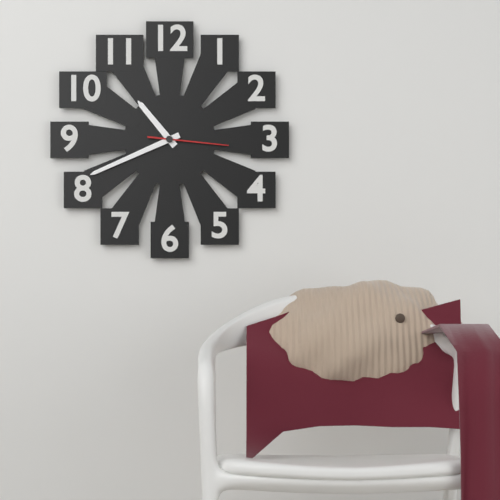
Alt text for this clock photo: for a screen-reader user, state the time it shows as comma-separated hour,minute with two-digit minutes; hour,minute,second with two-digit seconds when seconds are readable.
10,41,16
